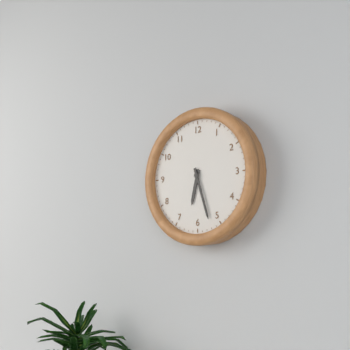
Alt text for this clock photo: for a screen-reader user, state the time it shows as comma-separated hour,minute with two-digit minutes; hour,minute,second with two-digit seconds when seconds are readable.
6,27
